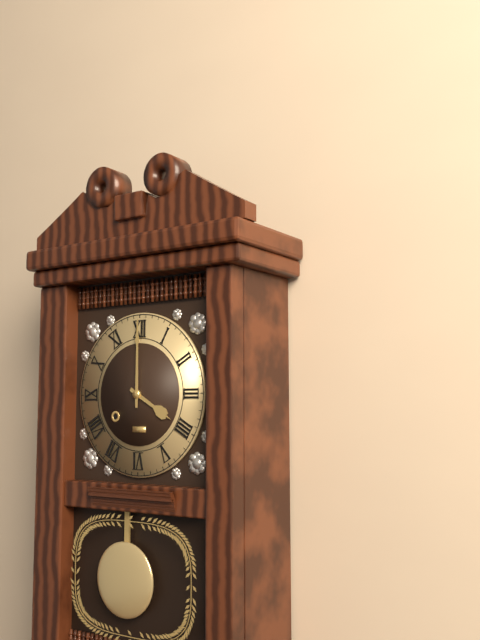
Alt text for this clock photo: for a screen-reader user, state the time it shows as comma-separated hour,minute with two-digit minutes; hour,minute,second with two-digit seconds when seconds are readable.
4,00
